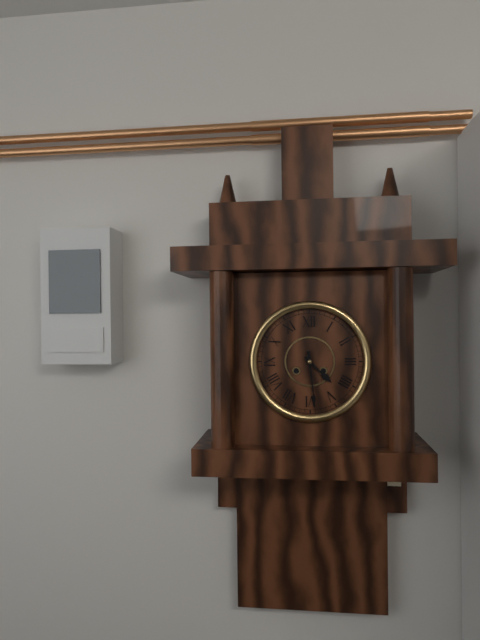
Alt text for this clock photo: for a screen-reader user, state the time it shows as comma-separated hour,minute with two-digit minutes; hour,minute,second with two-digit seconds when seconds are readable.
4,29
